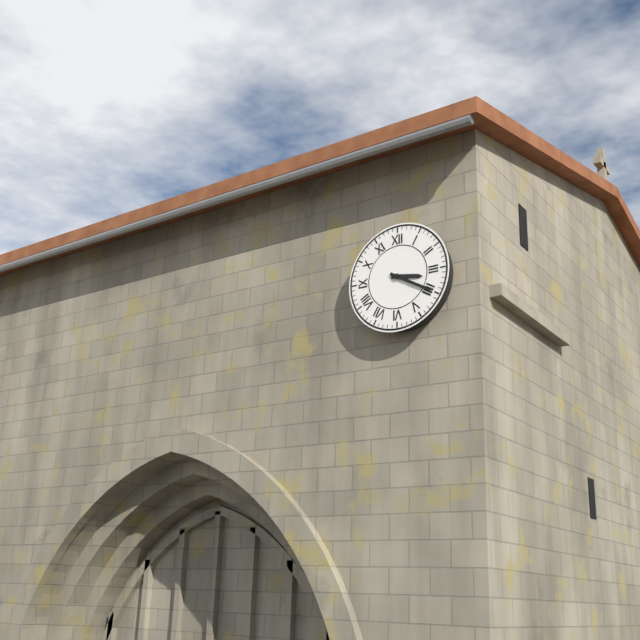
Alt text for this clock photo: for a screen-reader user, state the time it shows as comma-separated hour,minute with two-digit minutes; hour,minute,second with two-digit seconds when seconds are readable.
3,20
